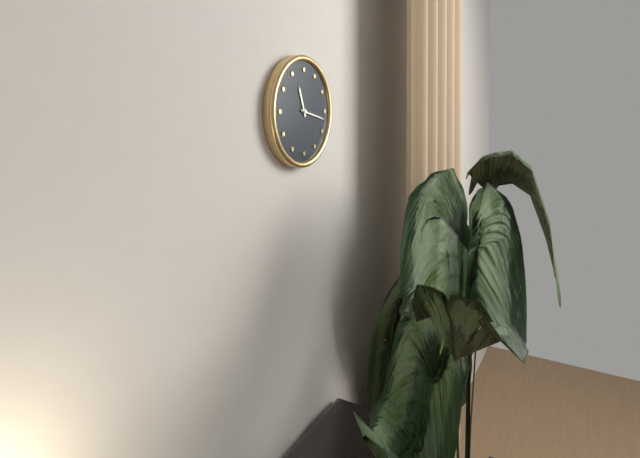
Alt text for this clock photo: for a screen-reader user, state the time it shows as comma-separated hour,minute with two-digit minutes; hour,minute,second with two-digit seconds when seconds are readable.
11,17
